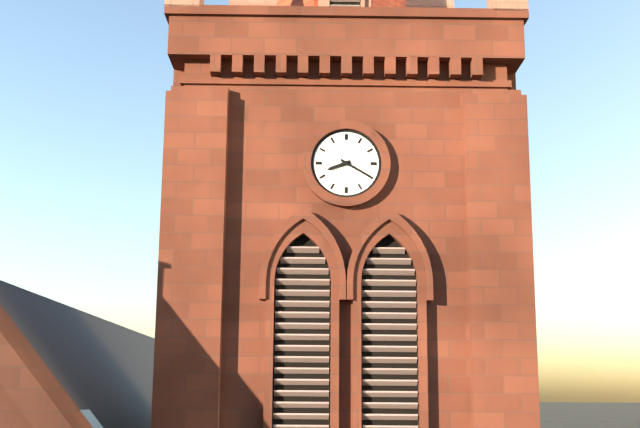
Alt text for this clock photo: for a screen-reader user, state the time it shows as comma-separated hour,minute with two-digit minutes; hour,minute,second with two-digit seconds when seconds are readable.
8,20
